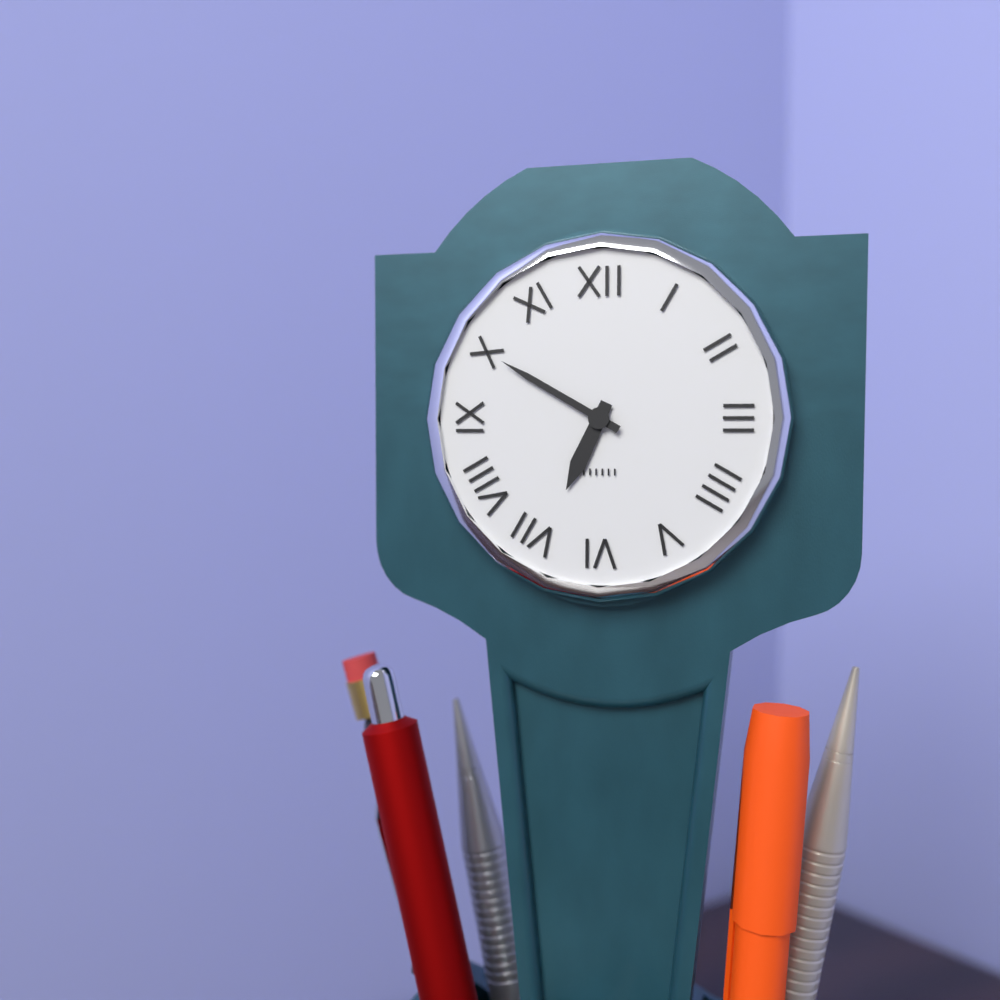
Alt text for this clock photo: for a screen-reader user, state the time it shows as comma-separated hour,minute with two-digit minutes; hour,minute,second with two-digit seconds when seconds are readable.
6,50
